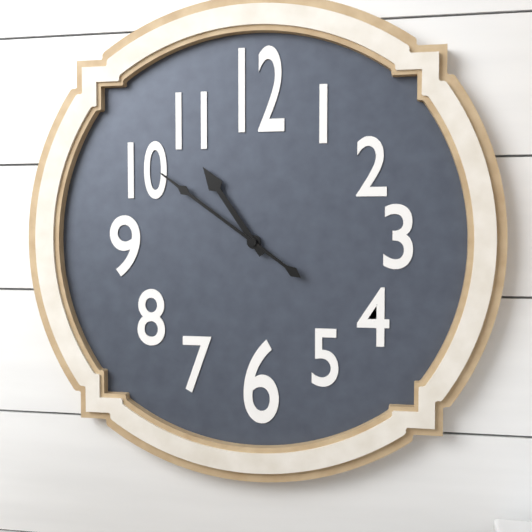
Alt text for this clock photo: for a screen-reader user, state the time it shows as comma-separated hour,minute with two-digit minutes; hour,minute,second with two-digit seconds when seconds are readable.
10,51
